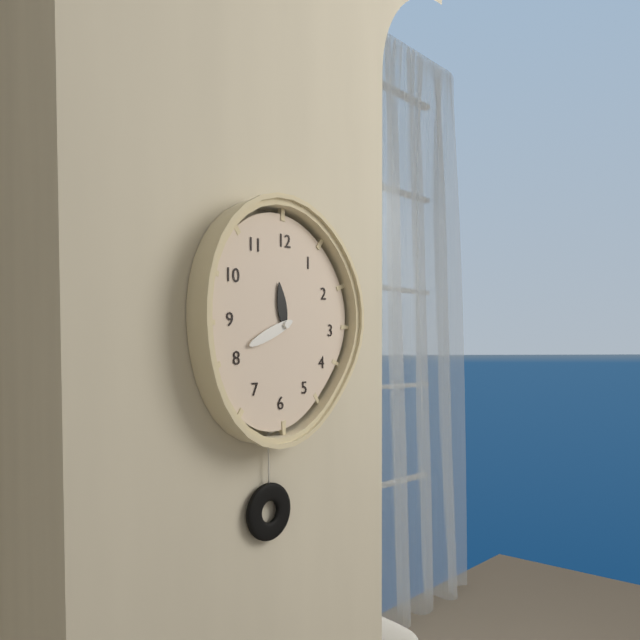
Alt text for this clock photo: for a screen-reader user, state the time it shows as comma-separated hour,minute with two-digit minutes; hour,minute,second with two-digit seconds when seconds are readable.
11,41
